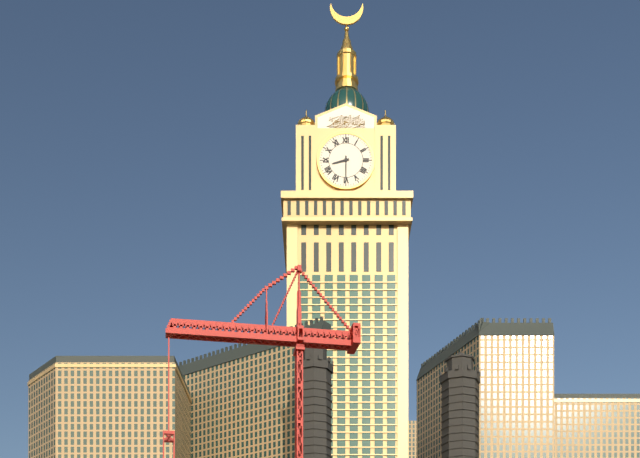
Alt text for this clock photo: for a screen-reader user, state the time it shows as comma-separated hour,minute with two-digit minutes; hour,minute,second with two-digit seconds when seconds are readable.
8,30
